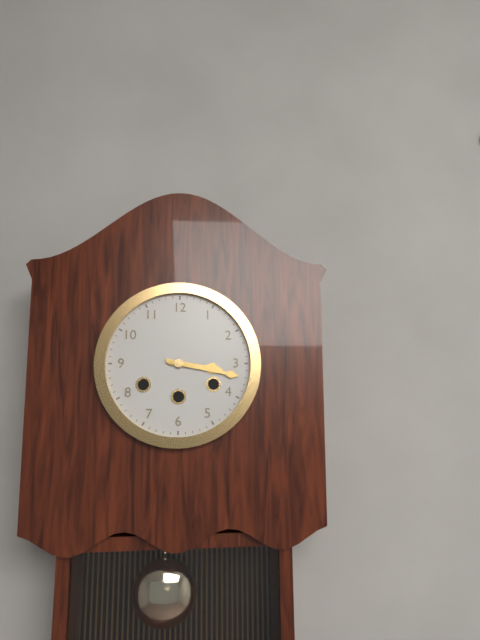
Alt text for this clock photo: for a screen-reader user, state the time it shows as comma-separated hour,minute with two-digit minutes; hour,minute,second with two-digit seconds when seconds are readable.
3,17
